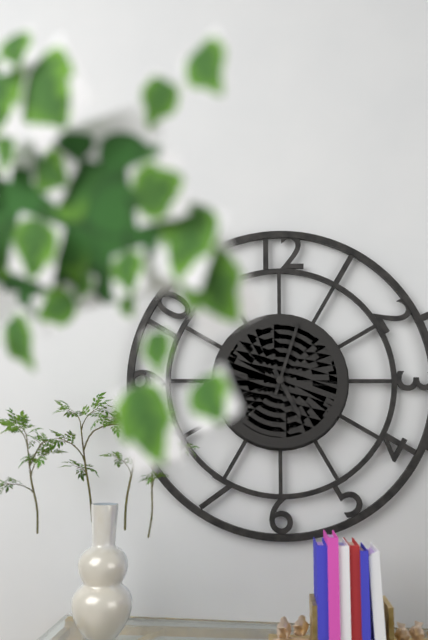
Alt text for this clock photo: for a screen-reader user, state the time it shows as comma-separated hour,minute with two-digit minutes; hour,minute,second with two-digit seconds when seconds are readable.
5,03
